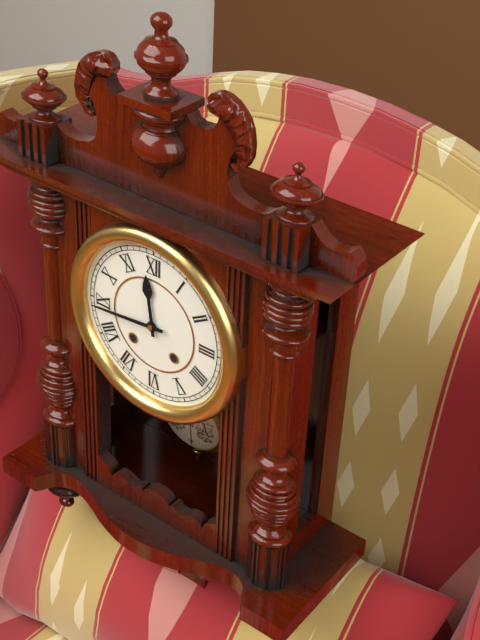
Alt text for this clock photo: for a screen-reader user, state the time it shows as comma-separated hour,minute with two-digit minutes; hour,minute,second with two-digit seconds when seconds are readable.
11,44
